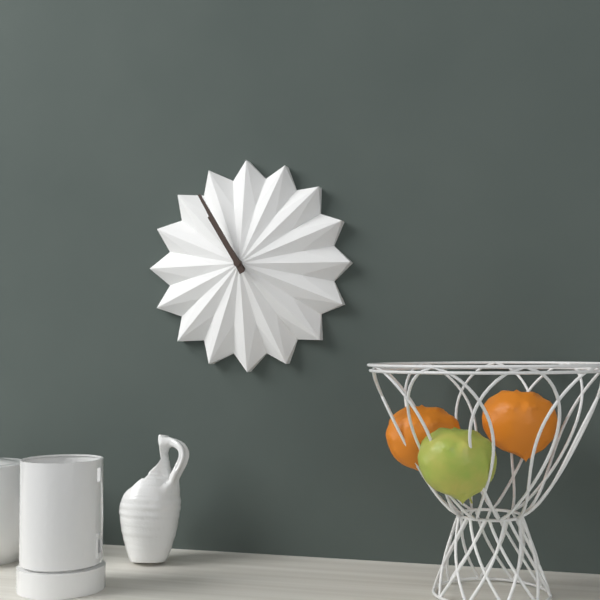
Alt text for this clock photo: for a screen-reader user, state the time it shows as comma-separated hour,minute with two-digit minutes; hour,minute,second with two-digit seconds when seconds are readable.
10,55
